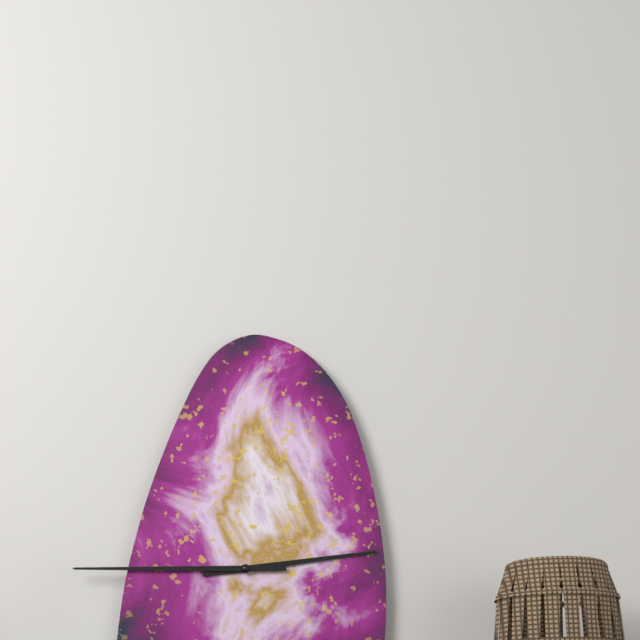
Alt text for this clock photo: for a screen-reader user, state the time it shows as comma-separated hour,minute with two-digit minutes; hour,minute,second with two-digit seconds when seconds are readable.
2,45
